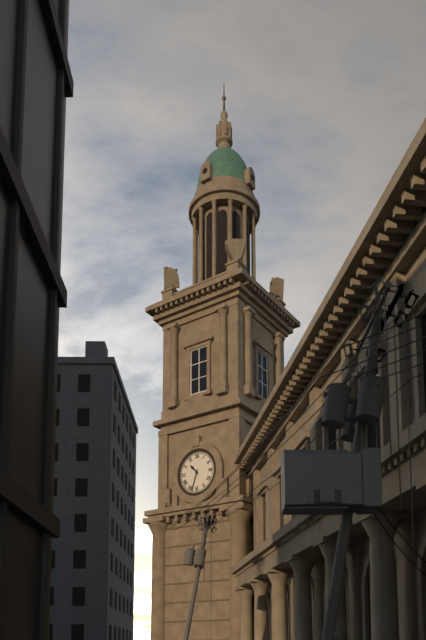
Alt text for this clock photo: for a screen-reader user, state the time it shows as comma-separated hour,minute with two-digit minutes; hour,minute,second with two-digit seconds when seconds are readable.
10,33
